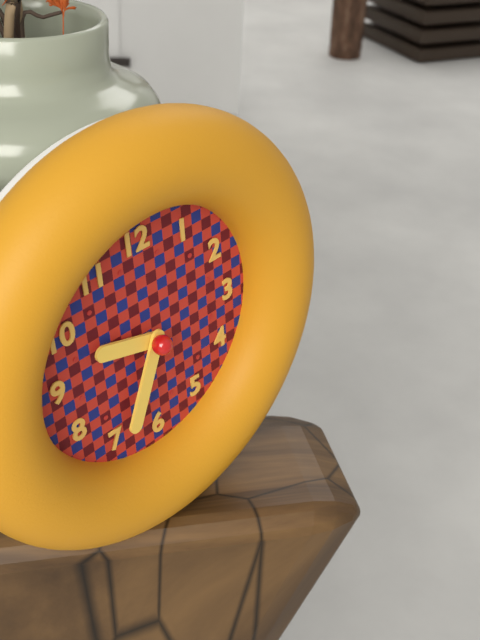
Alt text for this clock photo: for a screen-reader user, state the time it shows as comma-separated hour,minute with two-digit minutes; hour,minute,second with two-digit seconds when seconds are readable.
9,34
